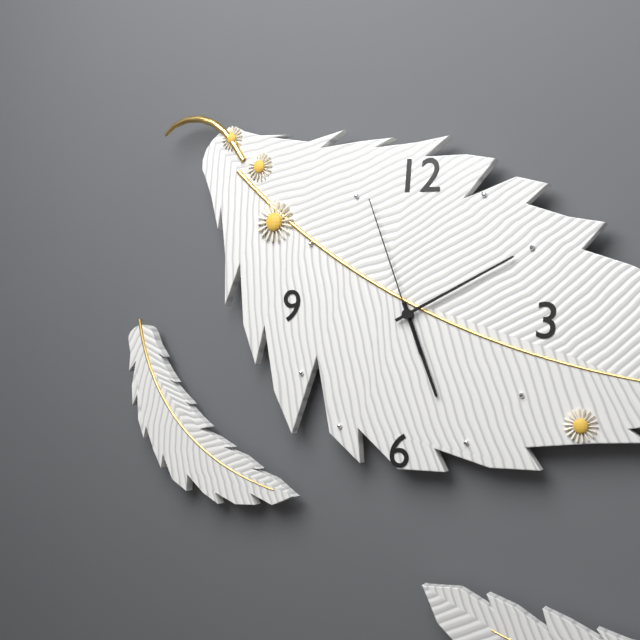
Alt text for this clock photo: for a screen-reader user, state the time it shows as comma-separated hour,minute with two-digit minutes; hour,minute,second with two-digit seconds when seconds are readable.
5,10,56
